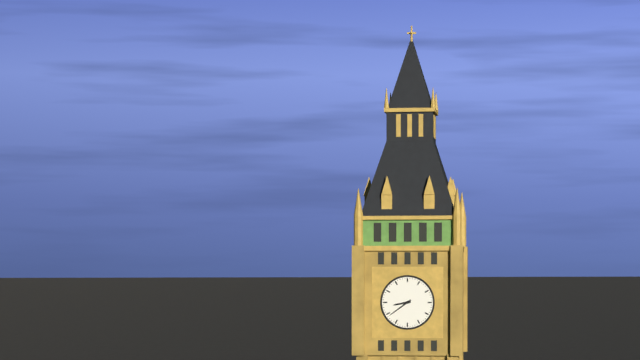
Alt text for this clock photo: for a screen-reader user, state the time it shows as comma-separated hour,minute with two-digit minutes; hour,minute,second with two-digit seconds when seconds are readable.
8,39
